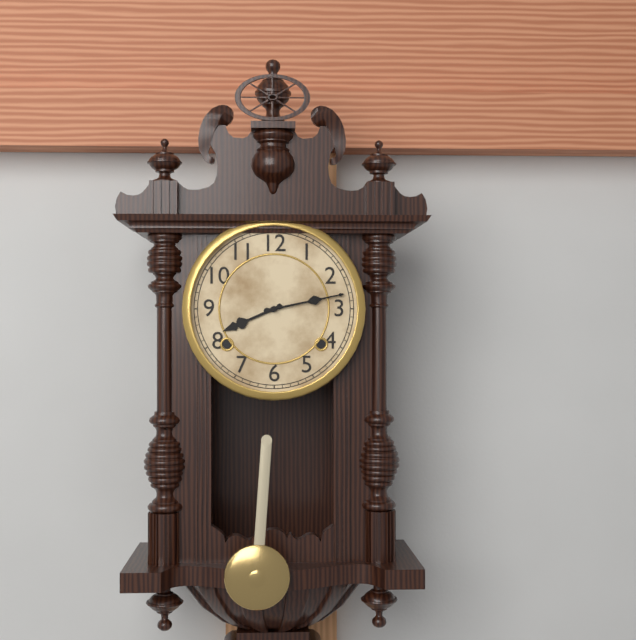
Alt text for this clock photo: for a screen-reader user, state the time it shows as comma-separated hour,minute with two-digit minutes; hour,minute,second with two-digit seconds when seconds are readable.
8,13
